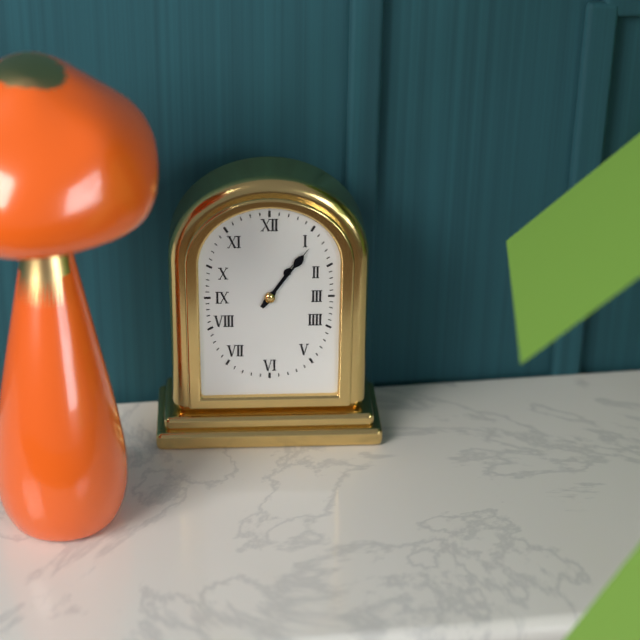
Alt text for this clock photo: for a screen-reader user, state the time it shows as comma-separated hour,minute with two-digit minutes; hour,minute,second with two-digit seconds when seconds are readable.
1,06
